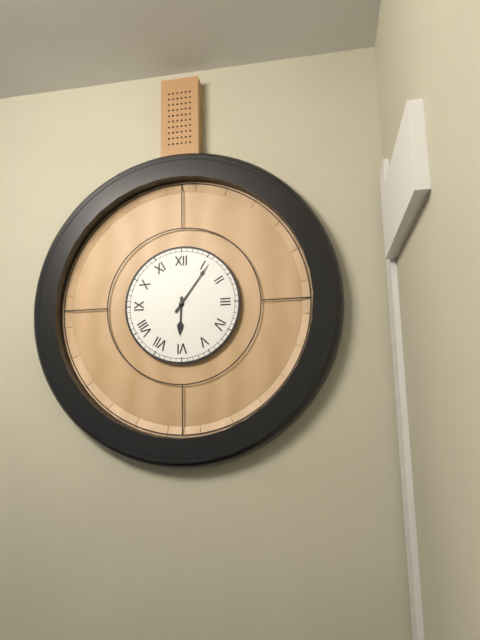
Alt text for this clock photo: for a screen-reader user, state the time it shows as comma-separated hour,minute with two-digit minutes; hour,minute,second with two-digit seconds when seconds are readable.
6,06
